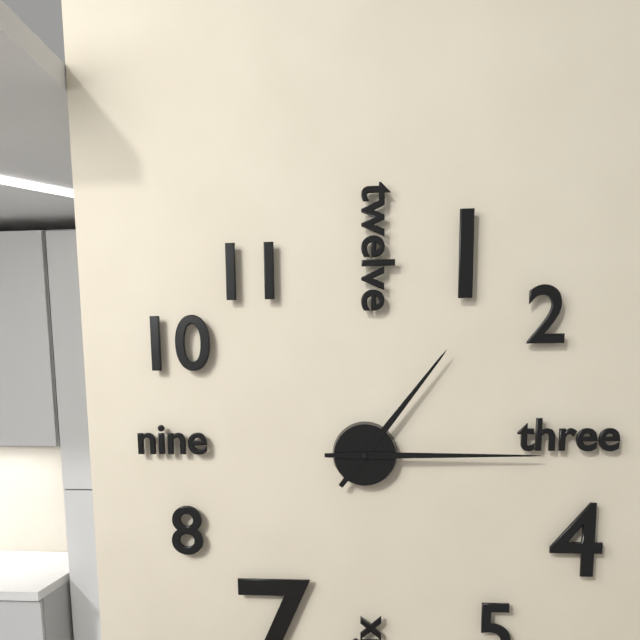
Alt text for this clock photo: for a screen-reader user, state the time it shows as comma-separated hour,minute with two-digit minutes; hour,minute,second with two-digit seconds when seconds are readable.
1,15
